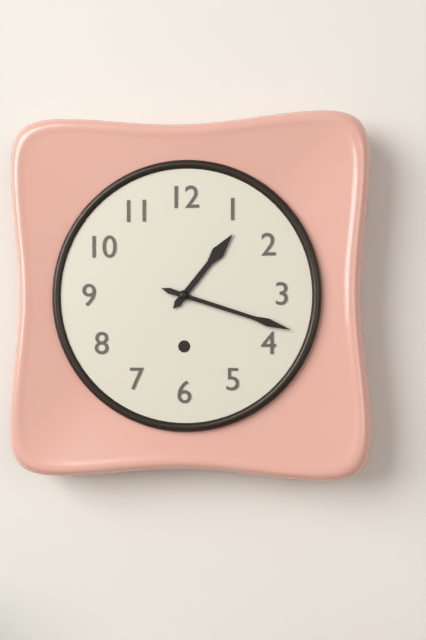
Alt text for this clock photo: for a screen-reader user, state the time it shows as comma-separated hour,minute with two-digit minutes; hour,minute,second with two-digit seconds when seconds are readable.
1,18
